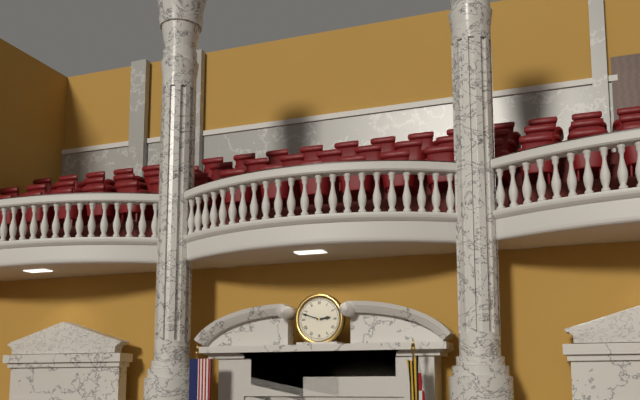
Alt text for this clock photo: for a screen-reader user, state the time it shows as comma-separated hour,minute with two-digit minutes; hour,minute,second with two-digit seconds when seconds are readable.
2,48
